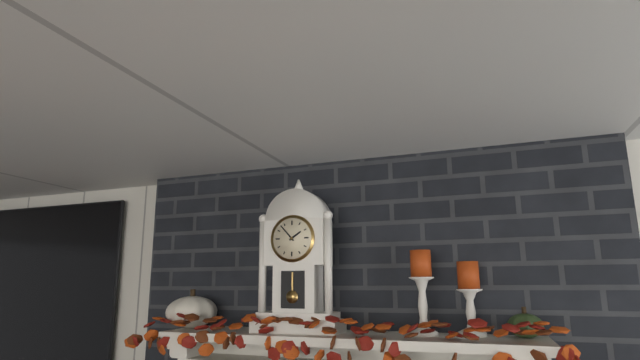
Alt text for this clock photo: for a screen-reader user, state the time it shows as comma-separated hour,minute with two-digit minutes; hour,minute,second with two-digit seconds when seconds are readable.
1,53
